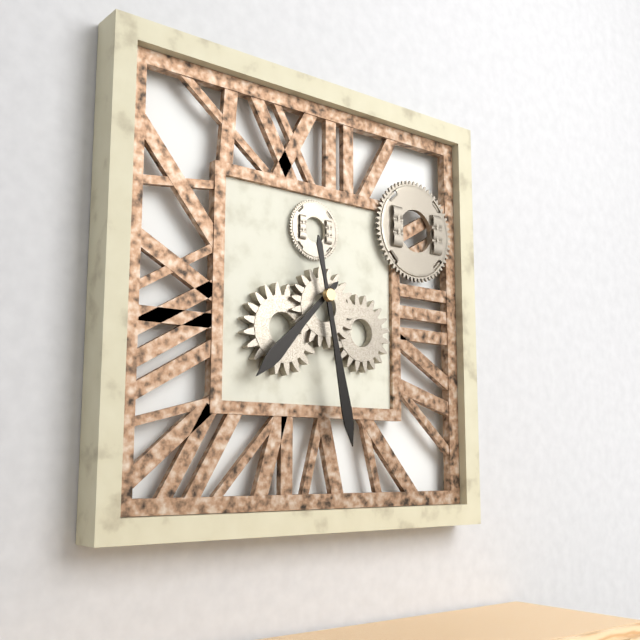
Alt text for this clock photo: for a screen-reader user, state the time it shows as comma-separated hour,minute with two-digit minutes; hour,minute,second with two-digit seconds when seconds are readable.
7,28
